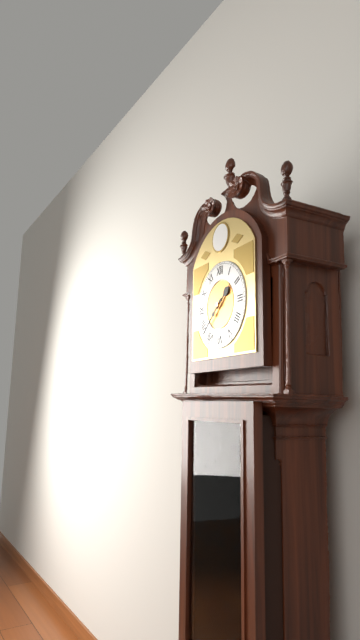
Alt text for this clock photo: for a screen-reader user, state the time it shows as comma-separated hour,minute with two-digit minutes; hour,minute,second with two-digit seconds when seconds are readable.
1,38
